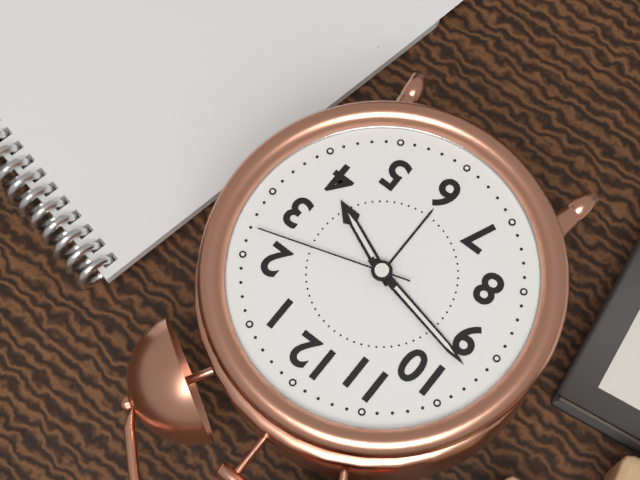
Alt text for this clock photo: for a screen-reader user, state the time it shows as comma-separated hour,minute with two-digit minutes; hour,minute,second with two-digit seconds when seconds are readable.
3,47,12
